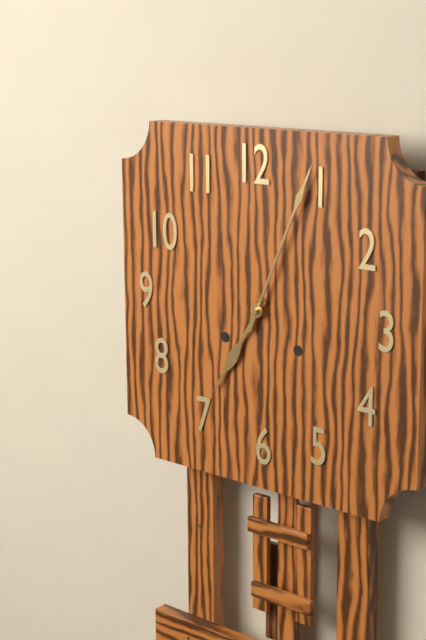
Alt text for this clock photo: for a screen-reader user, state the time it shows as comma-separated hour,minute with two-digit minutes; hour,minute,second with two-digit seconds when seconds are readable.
7,04
